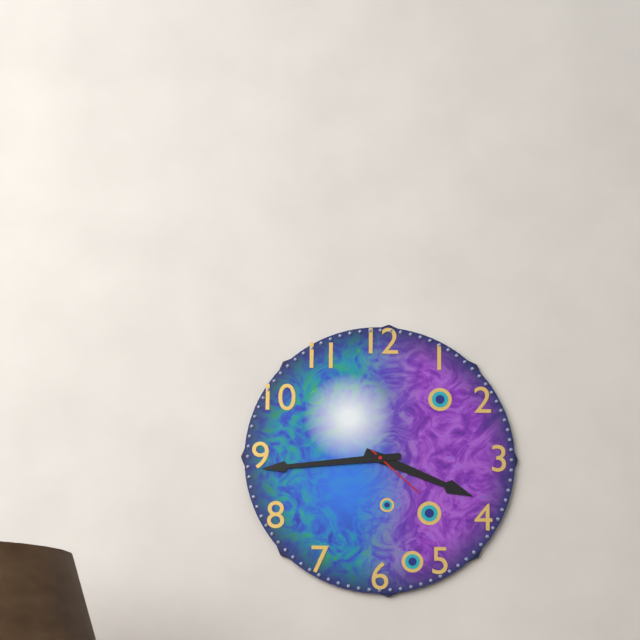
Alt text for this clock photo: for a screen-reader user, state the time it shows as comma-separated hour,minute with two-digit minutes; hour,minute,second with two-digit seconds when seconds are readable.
3,44,22
